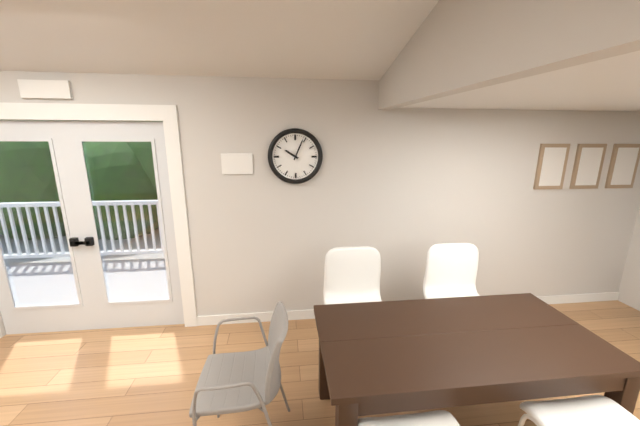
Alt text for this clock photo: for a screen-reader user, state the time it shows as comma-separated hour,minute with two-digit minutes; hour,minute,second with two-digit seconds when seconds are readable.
10,04
